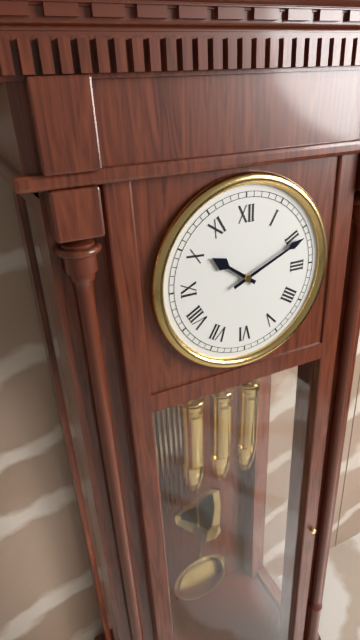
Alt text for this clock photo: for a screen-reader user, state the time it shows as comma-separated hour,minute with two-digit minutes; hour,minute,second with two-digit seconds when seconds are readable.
10,11
